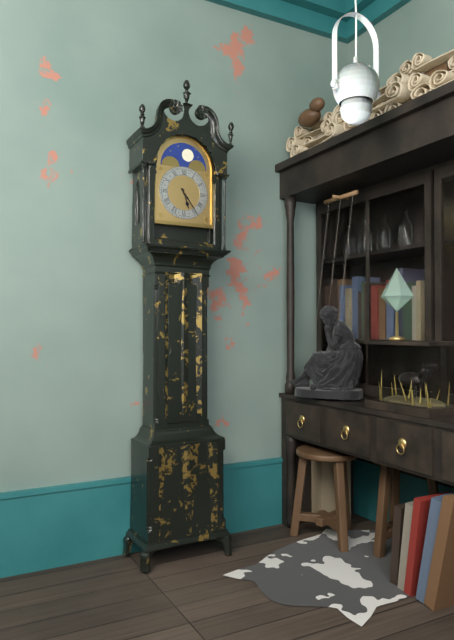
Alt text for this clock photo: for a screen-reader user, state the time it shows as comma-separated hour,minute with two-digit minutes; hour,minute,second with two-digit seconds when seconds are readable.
5,24
